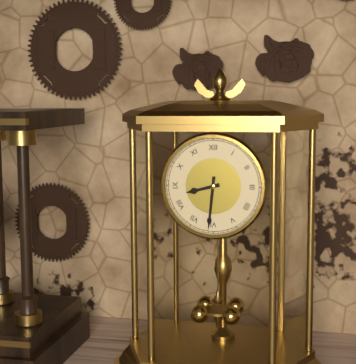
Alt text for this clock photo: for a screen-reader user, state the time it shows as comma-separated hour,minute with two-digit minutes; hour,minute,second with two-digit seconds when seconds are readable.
8,31
